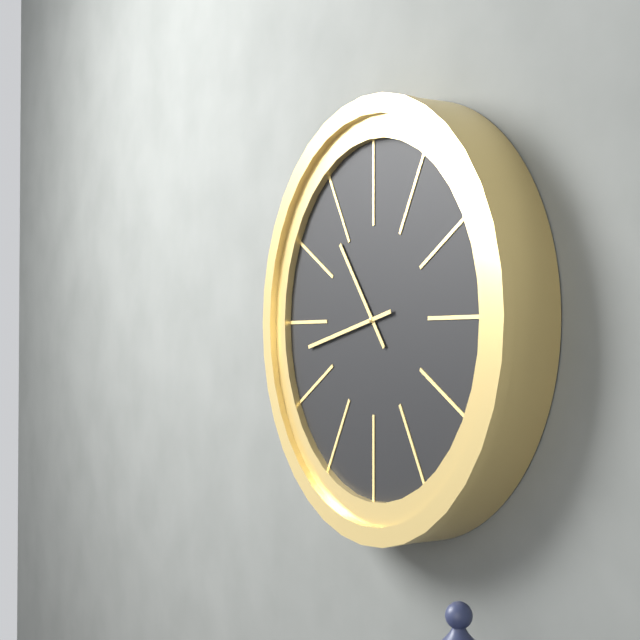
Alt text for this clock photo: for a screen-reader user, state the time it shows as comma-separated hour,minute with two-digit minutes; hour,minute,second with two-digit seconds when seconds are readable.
10,43
